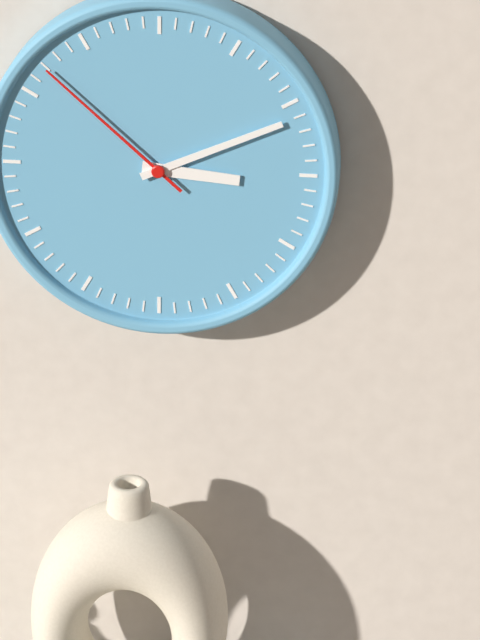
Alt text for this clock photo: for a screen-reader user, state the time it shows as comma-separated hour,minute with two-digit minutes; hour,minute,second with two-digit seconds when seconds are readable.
3,11,52
